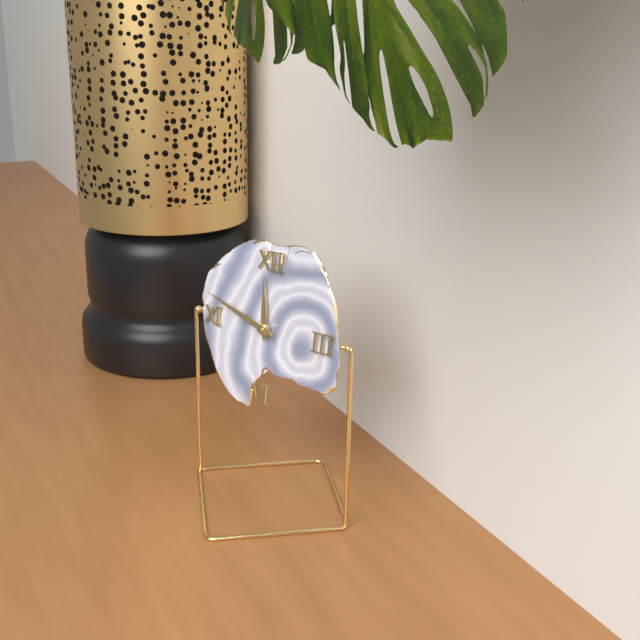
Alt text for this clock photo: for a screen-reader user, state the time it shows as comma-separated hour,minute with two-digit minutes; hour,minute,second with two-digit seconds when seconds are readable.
11,48
